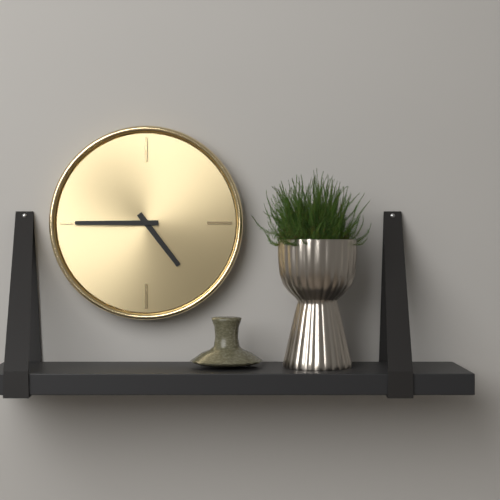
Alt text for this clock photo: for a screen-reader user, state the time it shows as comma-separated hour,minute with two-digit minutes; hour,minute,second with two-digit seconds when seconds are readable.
4,45
